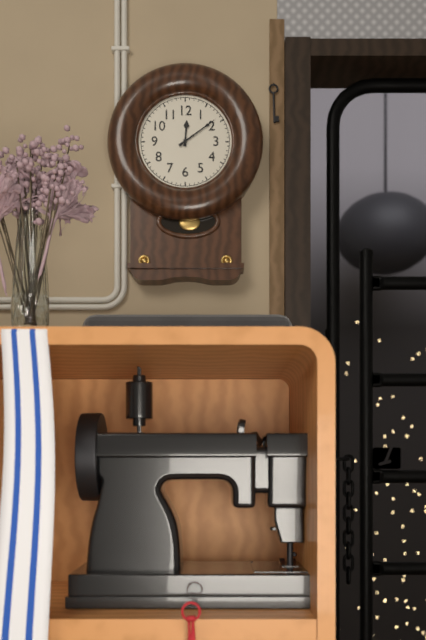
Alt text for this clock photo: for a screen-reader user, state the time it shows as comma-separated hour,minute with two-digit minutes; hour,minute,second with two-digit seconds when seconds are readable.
12,09
